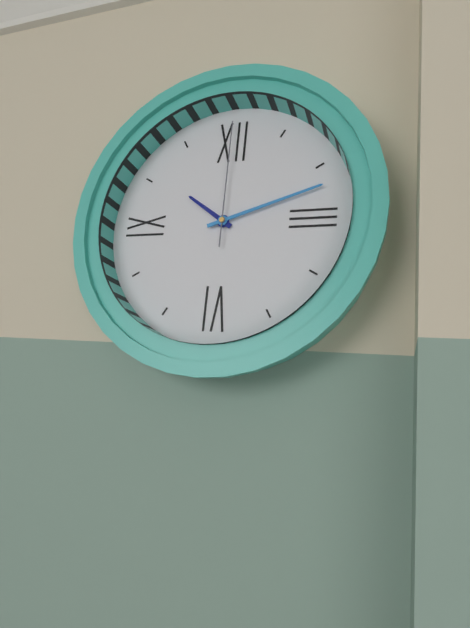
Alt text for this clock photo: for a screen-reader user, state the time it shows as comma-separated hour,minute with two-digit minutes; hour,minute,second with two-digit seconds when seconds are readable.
10,12,00
